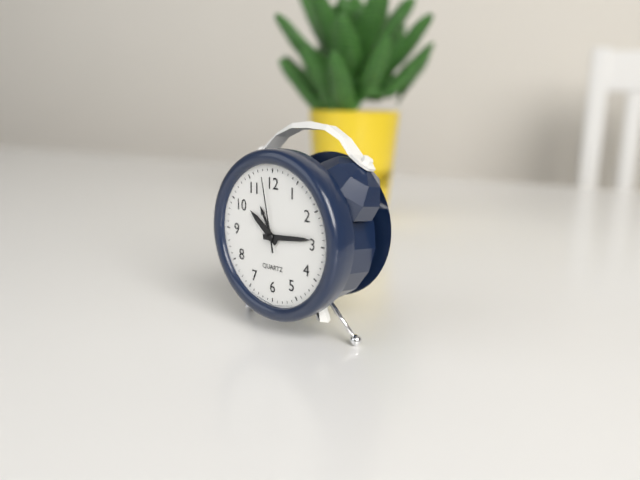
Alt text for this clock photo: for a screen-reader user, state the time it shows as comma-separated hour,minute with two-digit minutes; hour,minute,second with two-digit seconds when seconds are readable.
10,14,58
